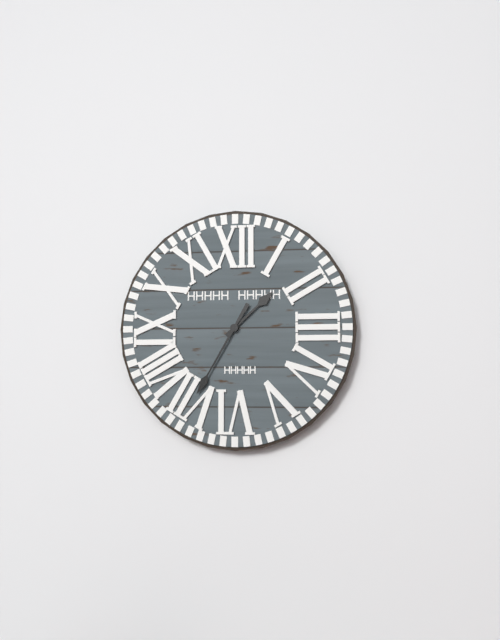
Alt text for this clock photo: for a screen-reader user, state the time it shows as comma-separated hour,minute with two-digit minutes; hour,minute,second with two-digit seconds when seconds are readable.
1,35
